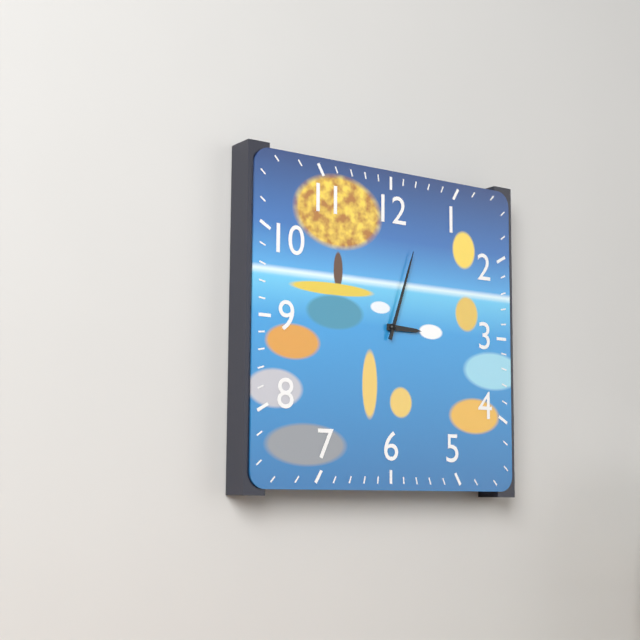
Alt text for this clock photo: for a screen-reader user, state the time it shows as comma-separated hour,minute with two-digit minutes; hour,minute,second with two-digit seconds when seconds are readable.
3,03
